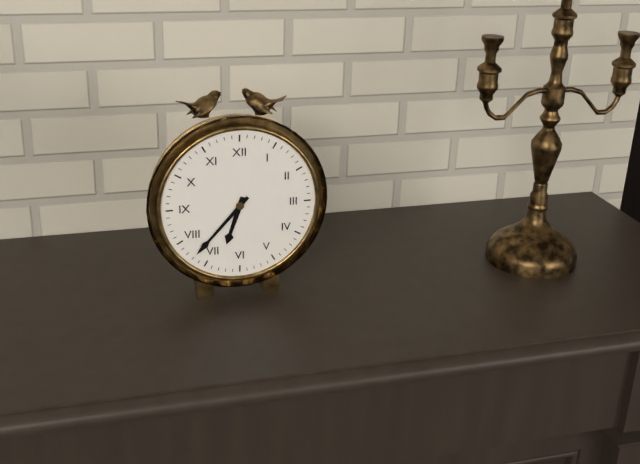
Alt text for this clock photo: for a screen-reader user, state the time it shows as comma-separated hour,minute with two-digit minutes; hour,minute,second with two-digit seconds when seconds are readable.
6,37
